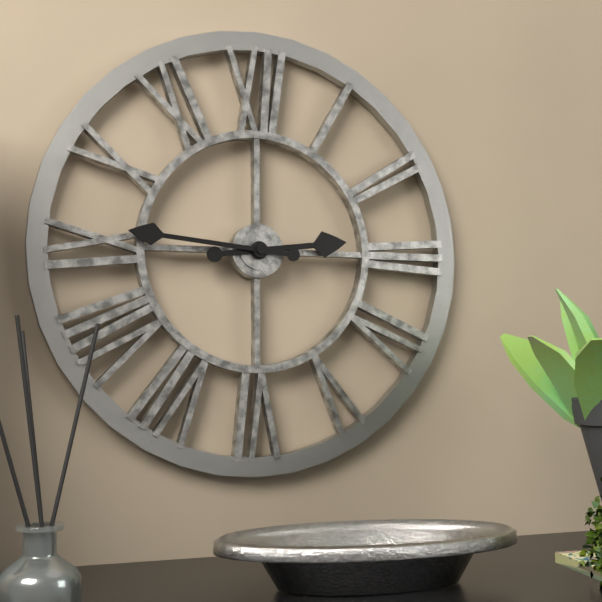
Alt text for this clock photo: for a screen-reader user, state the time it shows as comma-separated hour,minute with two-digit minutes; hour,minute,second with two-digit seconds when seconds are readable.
2,46
